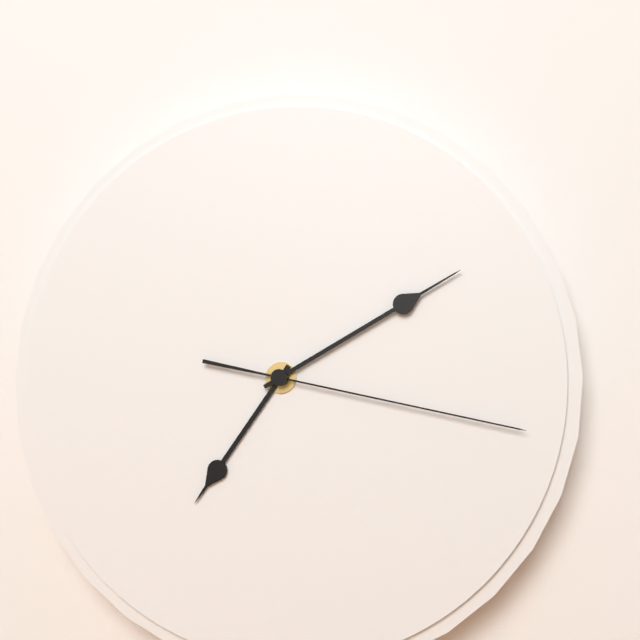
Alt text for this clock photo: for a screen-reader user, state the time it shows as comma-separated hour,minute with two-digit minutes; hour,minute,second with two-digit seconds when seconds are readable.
7,10,17
